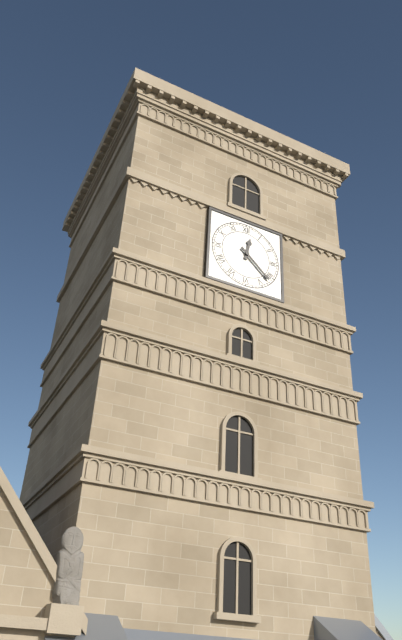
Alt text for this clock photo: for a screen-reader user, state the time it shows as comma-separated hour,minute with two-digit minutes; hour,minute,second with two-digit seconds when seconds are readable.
12,22
